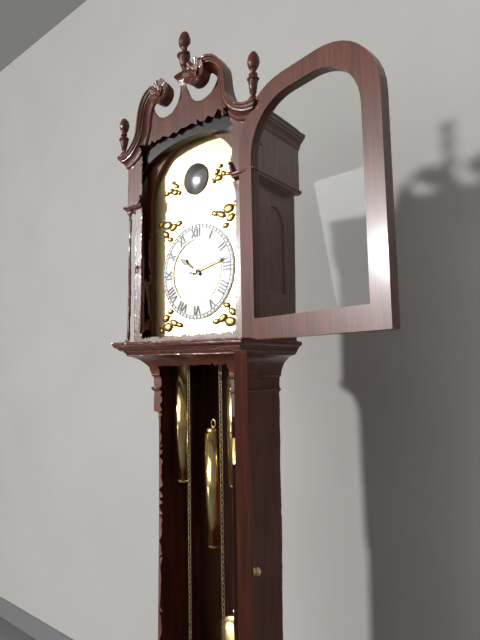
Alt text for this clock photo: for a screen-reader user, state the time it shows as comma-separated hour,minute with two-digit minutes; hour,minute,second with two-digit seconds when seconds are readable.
10,13
